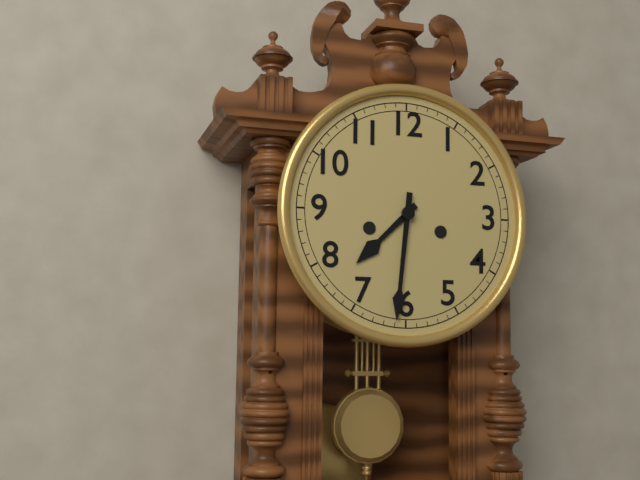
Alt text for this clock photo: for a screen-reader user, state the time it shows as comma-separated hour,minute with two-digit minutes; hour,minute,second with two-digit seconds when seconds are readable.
7,31
